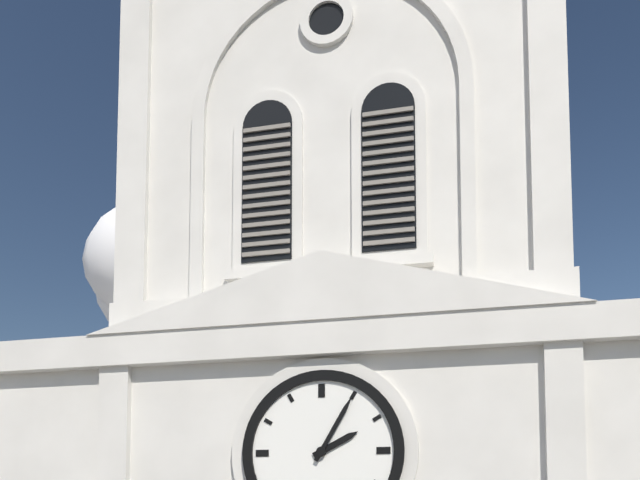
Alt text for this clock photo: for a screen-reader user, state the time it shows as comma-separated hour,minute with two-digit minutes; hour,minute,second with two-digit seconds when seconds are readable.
2,05
